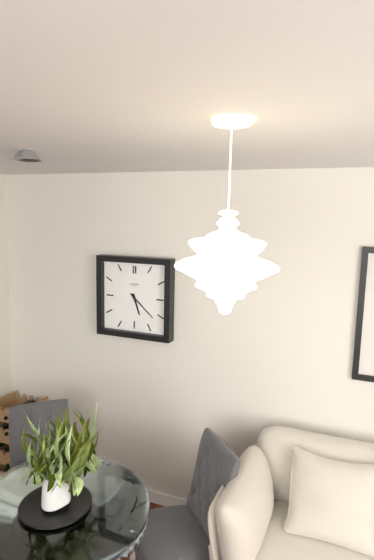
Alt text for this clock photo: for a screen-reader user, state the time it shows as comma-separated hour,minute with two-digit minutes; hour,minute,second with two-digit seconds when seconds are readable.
5,22
